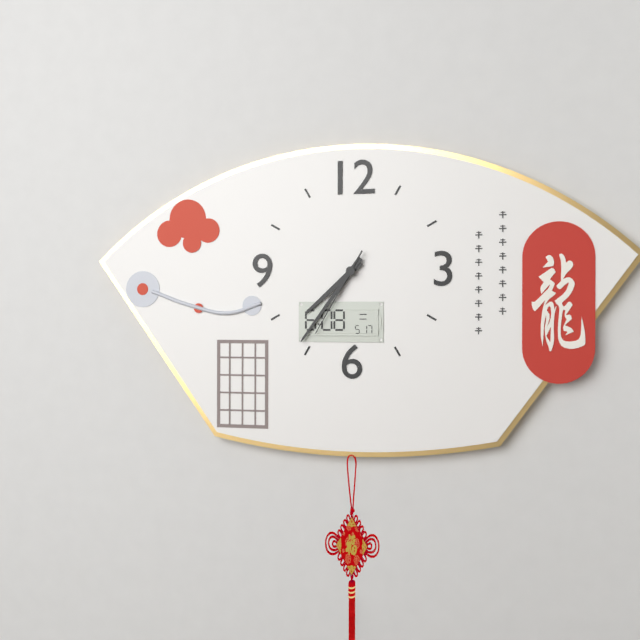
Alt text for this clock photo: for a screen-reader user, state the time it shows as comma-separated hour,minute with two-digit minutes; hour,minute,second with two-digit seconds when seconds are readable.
7,36,35
